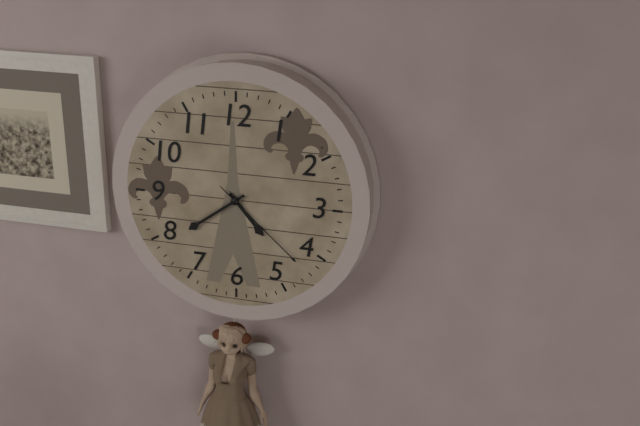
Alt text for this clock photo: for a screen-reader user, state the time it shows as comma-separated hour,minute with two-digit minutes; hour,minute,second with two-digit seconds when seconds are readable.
4,39,22
